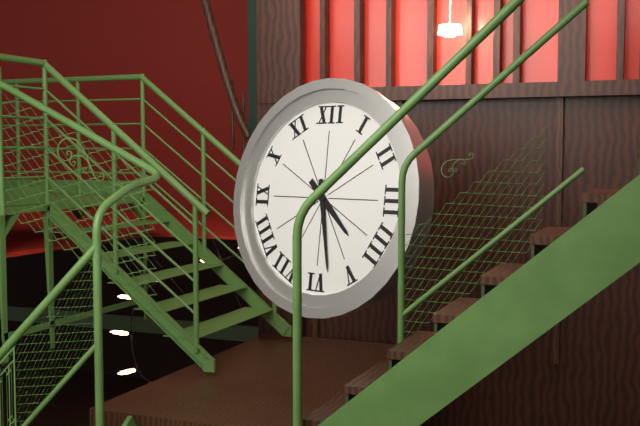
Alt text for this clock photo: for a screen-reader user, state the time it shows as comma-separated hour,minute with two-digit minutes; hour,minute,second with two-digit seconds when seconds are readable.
4,28
